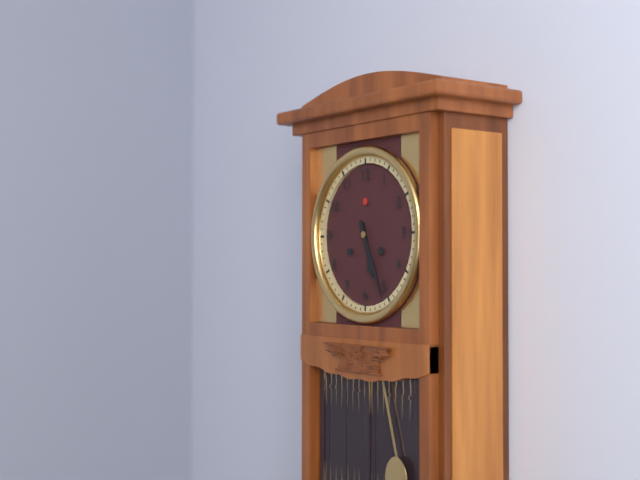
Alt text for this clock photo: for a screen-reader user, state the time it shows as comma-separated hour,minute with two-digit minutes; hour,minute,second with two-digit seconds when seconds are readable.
5,26
